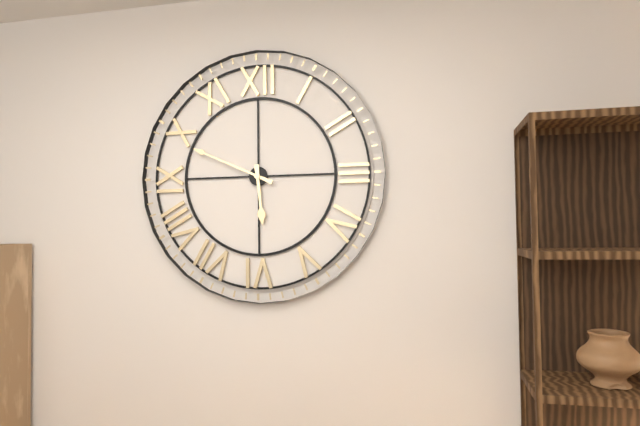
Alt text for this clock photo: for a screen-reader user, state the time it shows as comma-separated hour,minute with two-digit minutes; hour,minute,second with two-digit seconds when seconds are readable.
5,49
